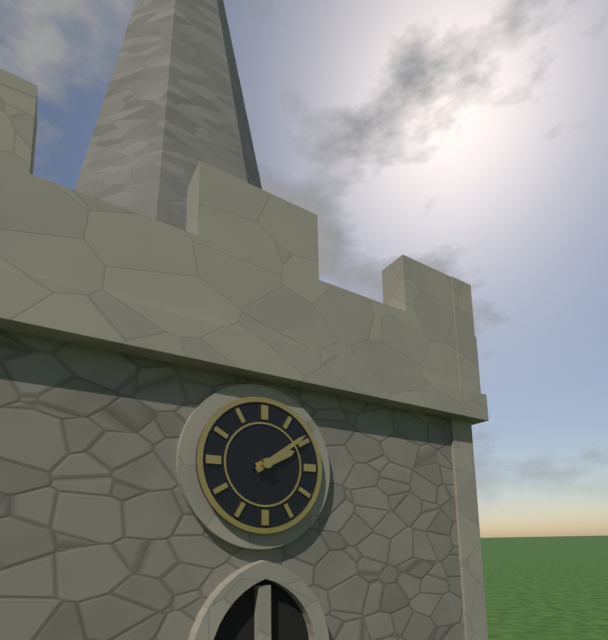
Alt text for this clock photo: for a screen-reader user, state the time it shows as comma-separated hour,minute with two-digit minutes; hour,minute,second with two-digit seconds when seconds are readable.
2,09
